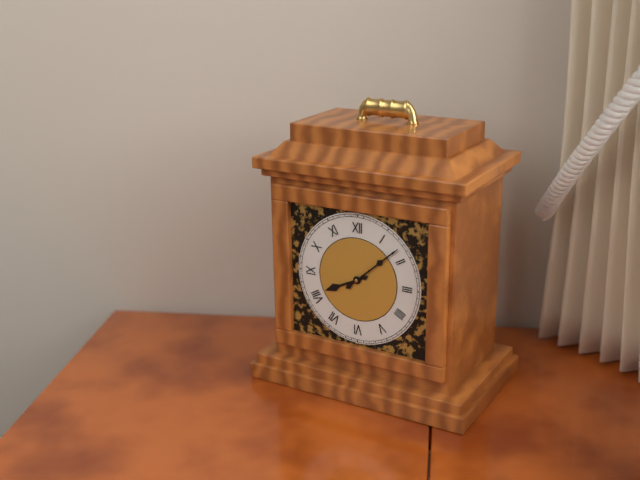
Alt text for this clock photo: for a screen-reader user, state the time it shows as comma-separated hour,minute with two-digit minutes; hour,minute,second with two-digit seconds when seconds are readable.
8,08
